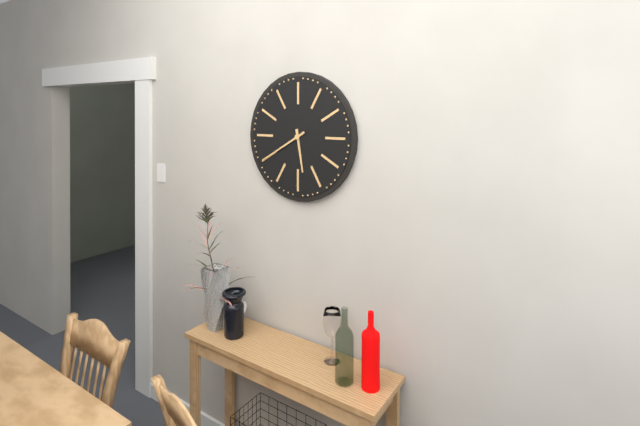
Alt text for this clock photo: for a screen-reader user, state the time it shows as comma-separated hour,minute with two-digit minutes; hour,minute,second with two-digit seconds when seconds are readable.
5,40
